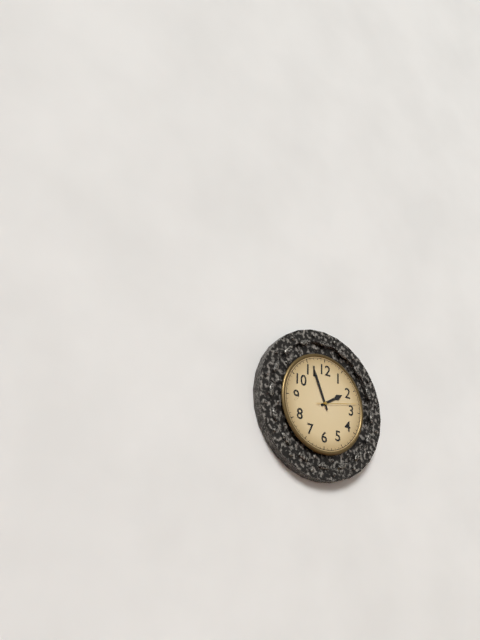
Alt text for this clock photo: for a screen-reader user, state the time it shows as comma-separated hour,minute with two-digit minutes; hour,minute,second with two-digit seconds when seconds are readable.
1,56
